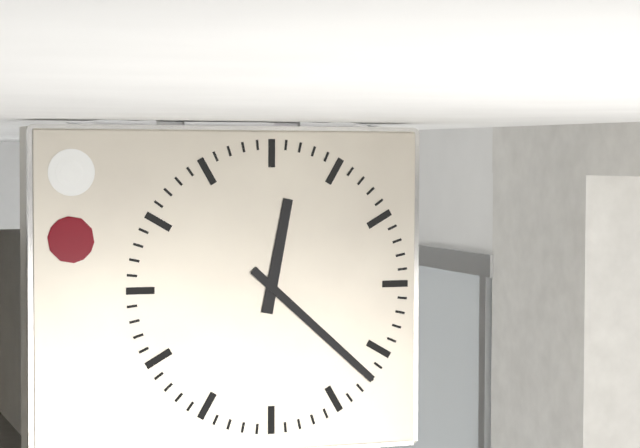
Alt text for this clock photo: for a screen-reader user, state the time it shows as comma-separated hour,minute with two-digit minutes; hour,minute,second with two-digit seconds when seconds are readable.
12,22
